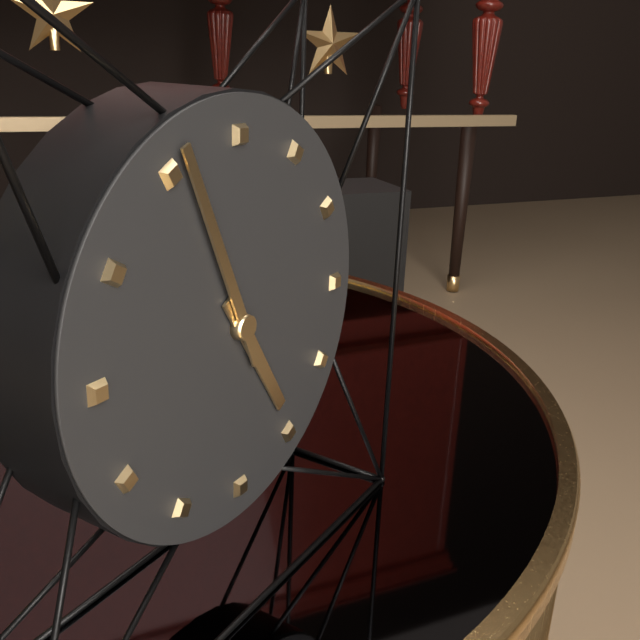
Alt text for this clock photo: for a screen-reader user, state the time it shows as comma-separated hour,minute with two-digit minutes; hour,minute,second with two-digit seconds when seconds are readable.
4,56
